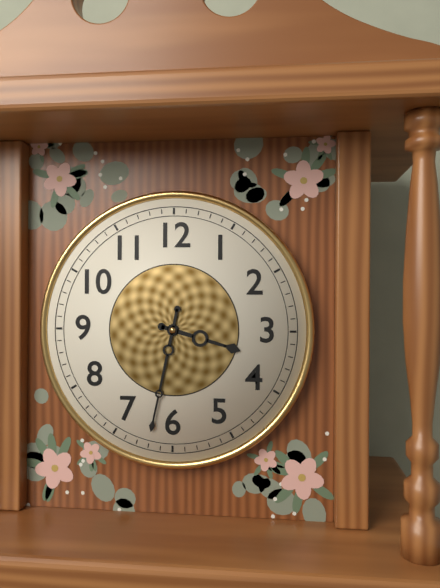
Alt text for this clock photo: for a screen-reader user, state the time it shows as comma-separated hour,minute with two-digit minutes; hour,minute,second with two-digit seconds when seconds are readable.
3,32
